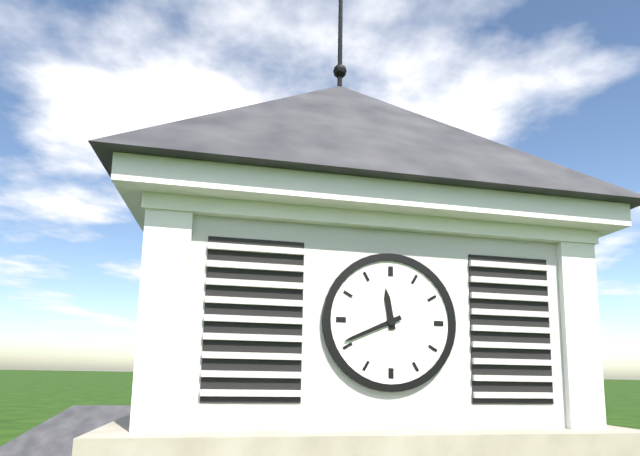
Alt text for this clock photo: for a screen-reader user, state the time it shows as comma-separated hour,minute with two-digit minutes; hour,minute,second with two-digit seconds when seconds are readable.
11,41
